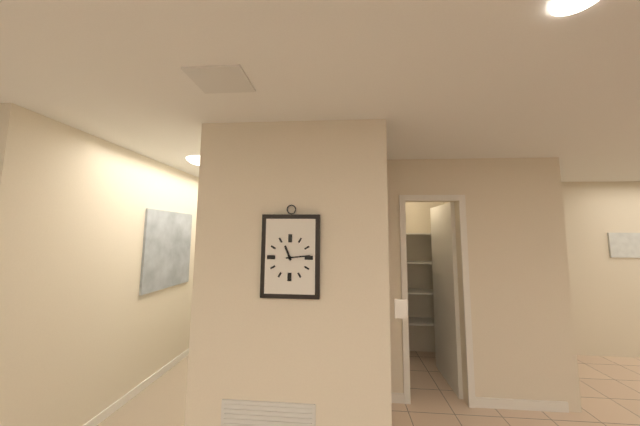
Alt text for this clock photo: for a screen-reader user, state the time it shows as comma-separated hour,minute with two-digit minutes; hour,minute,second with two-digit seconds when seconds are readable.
11,14
